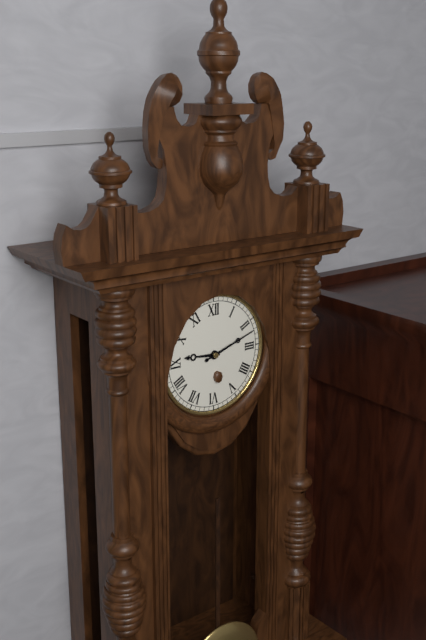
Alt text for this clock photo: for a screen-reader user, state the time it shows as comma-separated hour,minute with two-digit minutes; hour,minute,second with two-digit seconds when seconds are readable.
9,12
